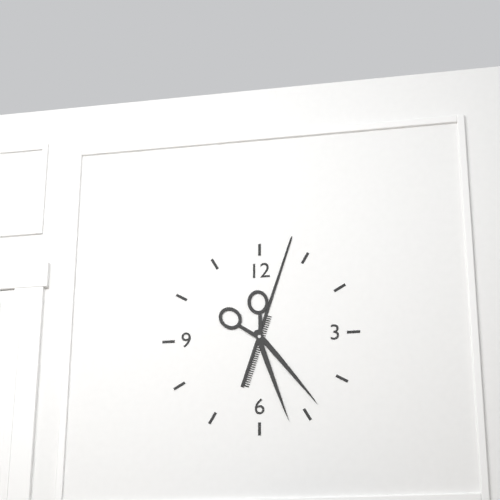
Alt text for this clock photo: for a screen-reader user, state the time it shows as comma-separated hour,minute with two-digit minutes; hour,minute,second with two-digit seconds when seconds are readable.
5,03
